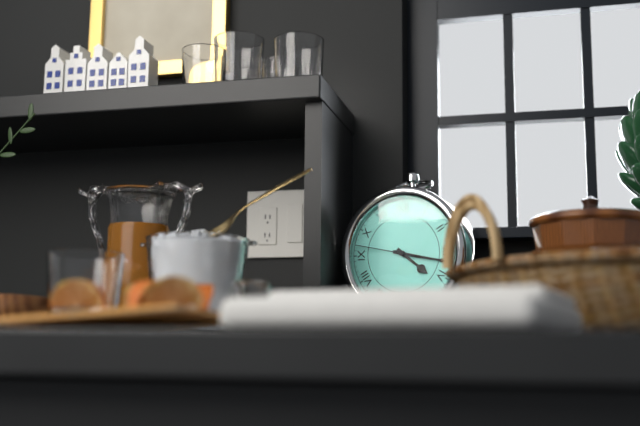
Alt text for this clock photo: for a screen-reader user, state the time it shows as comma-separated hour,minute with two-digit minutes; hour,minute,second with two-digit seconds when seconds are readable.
4,17,47
